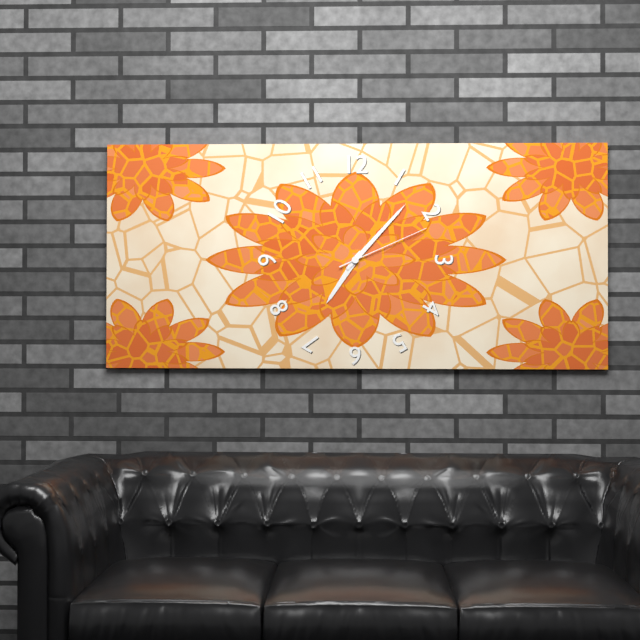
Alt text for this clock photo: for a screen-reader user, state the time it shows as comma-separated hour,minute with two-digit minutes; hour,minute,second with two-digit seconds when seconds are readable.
7,07,11
